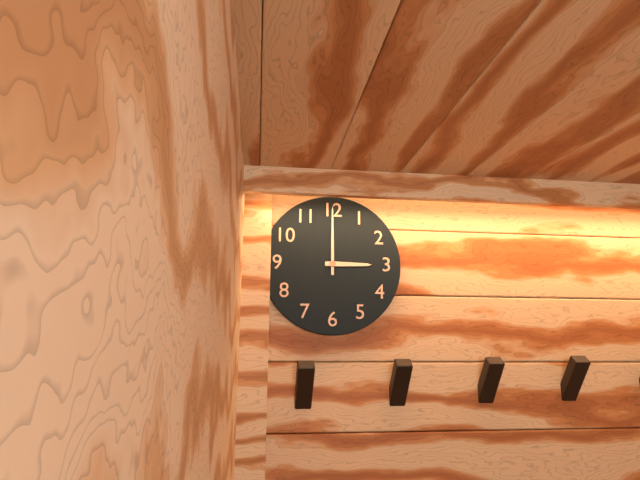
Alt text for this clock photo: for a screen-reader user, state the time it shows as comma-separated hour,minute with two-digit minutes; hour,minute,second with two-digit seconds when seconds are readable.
3,00
